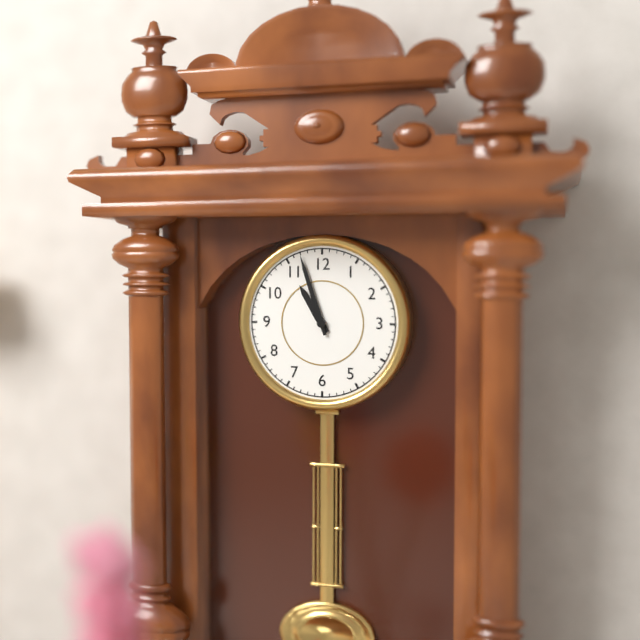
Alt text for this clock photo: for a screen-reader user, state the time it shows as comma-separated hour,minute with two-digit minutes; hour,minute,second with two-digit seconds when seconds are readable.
10,57
